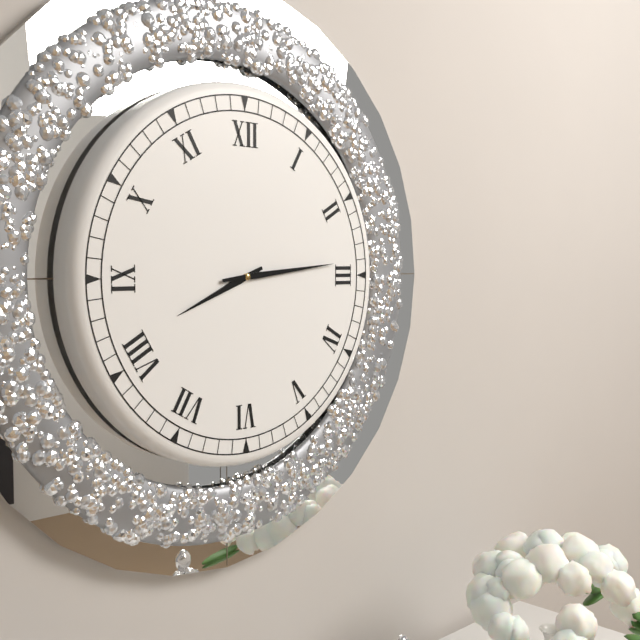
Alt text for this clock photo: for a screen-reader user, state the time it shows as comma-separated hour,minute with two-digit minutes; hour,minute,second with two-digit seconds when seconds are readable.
8,14
